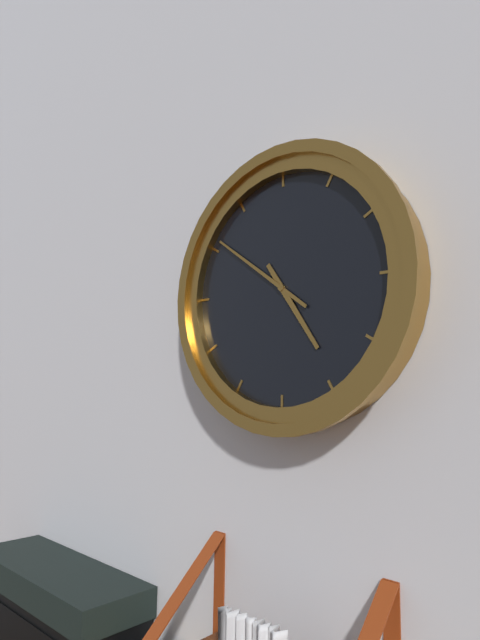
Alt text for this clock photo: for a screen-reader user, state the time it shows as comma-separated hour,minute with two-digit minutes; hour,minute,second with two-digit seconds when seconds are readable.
4,51
